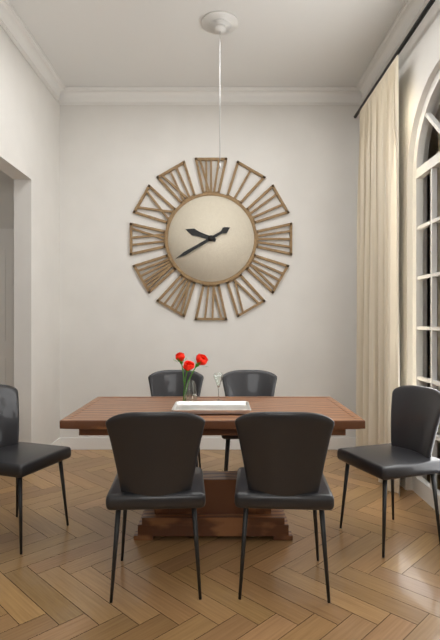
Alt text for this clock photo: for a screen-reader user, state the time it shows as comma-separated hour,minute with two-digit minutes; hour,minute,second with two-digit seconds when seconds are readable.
9,40
